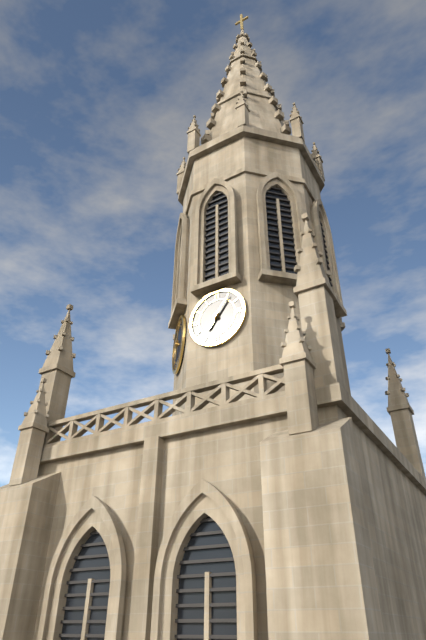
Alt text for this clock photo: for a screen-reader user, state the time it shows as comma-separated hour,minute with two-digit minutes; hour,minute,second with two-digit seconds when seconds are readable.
7,06
